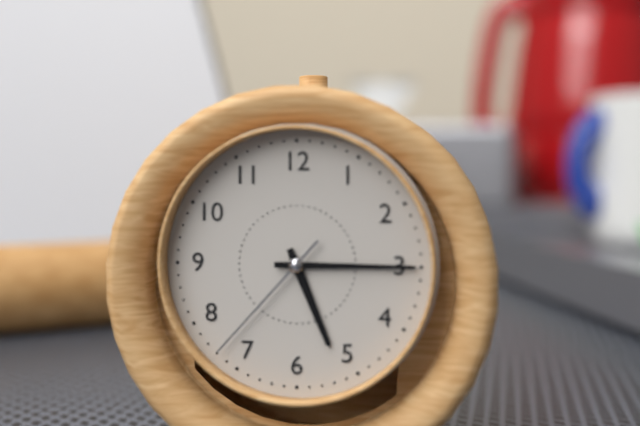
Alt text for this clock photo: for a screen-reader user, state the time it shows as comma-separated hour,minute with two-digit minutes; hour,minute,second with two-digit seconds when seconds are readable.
5,15,37
